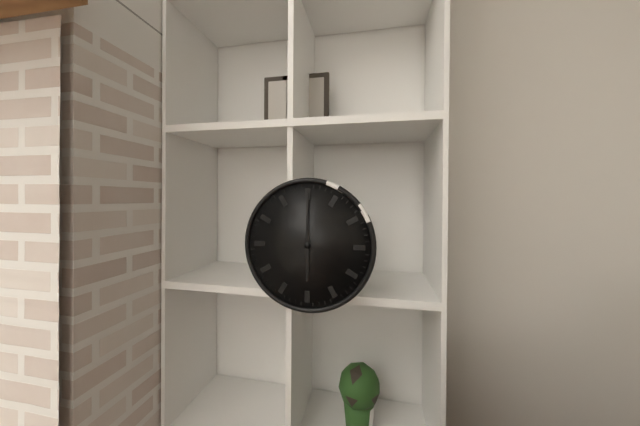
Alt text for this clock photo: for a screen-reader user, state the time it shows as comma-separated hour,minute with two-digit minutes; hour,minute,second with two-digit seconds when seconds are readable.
6,00
